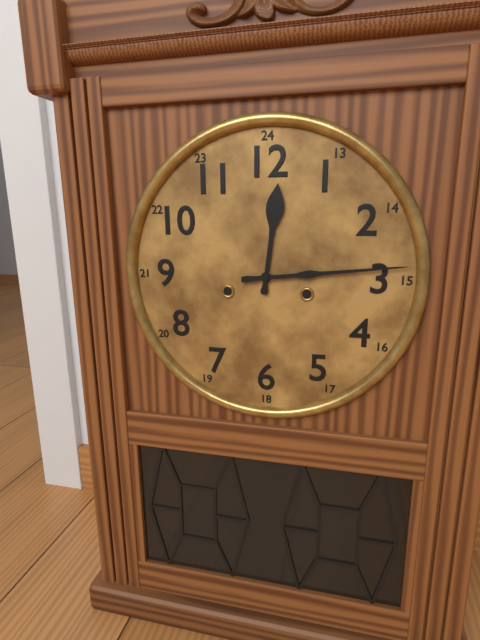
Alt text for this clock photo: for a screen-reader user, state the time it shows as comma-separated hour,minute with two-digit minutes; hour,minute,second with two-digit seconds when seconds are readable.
12,14
